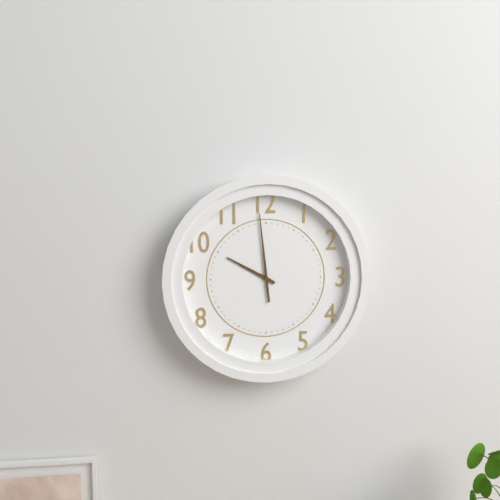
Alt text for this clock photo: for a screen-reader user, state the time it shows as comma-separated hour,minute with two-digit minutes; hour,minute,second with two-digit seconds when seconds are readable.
9,59
